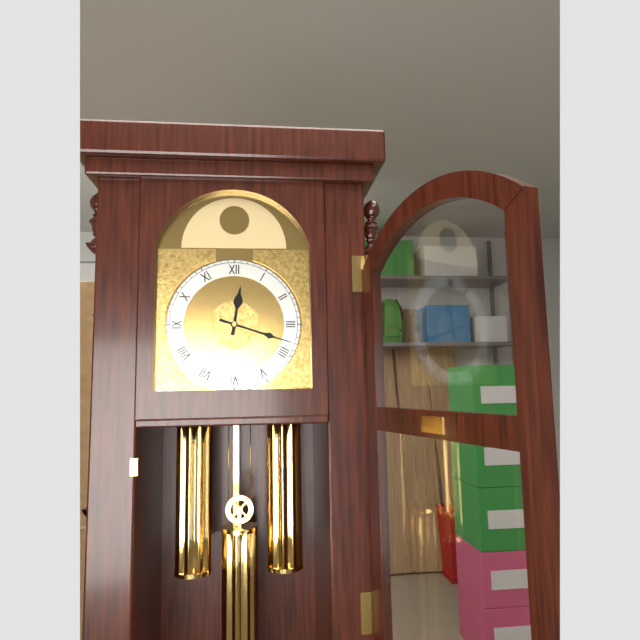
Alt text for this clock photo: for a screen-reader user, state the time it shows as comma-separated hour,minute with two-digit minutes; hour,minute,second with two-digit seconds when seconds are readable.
12,18
